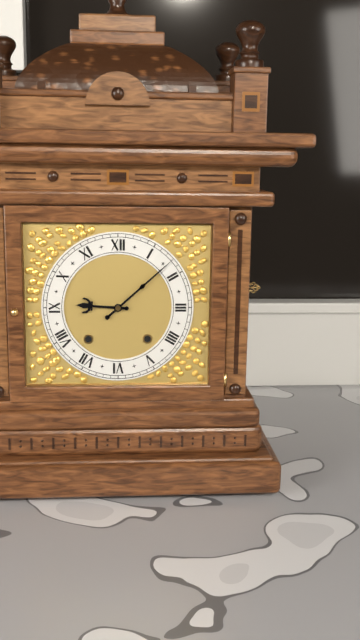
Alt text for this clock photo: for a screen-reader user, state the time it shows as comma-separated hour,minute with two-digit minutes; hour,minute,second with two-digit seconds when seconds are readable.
9,08
